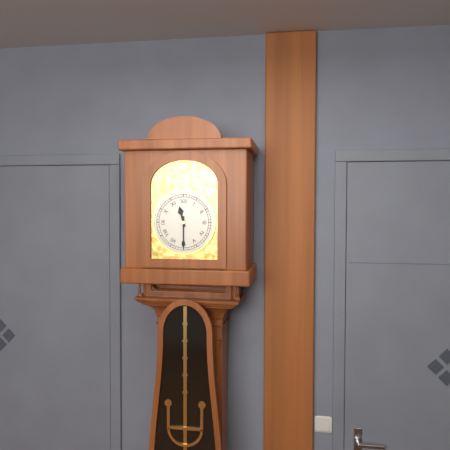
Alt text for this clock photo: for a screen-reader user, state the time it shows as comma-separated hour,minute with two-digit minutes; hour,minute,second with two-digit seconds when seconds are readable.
11,30
